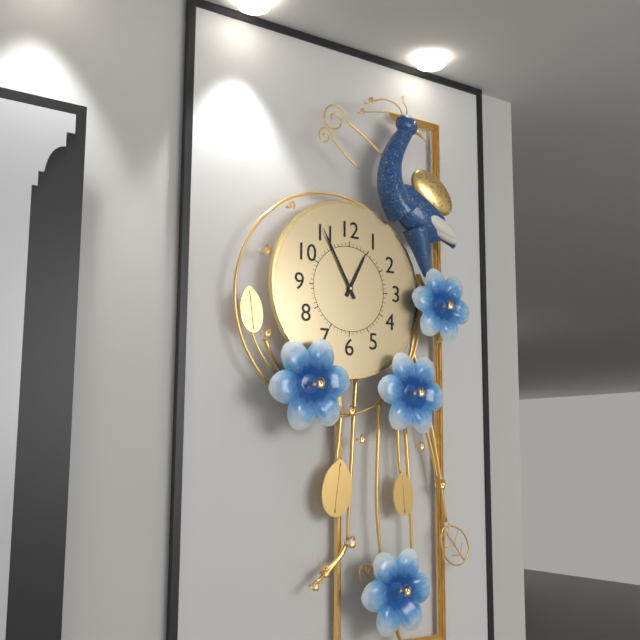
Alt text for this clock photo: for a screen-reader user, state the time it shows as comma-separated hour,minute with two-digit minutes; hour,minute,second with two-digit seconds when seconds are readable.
12,55
